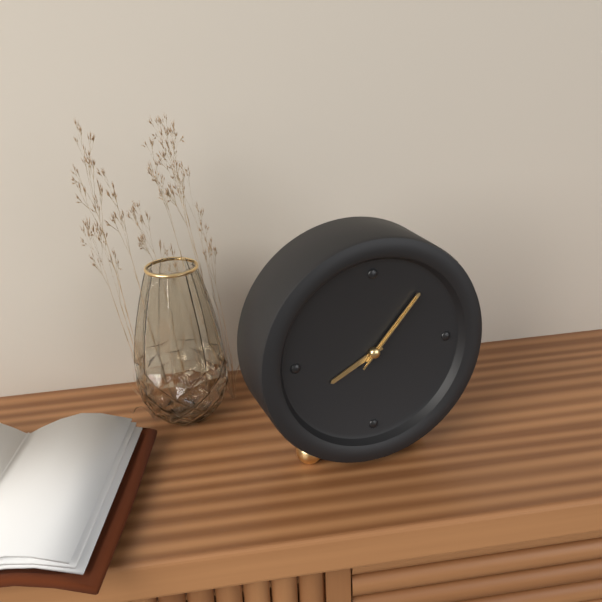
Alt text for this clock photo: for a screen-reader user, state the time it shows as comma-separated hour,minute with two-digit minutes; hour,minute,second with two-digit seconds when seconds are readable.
8,07,07
